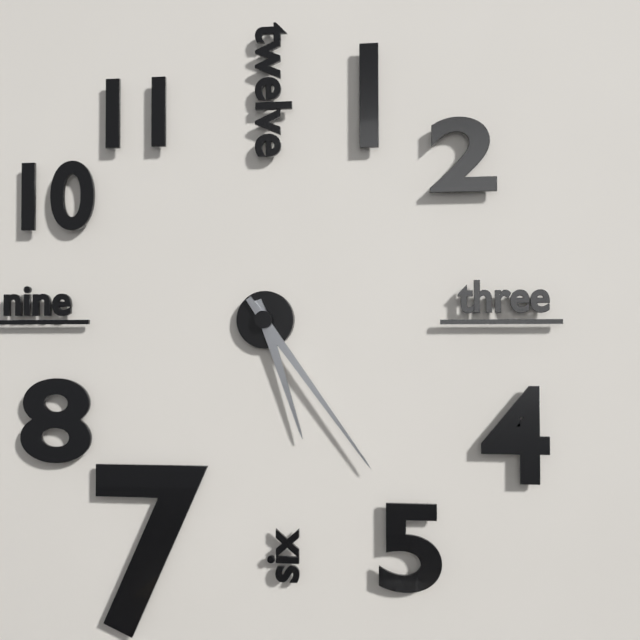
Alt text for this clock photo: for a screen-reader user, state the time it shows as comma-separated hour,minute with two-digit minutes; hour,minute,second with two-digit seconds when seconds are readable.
5,24
